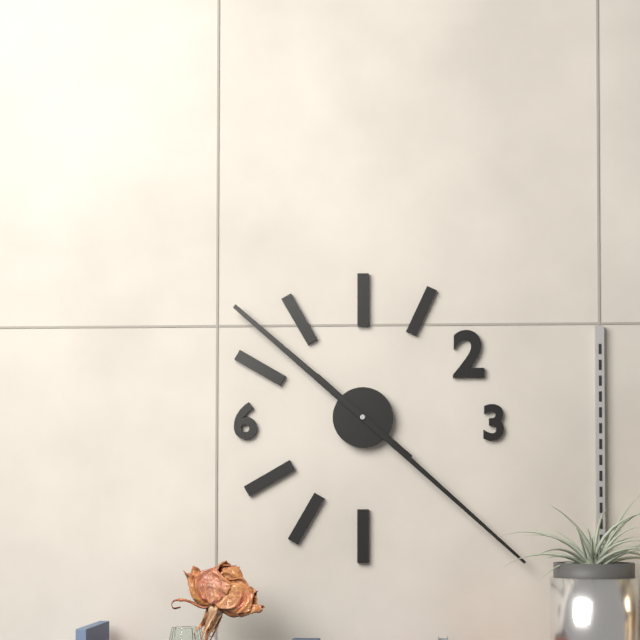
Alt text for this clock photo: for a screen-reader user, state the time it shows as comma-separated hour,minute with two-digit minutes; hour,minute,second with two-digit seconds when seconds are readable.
10,22
